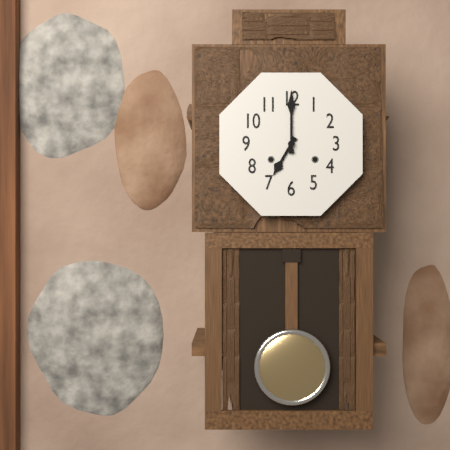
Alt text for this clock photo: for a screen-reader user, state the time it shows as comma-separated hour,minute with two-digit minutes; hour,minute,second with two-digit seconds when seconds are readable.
7,00
